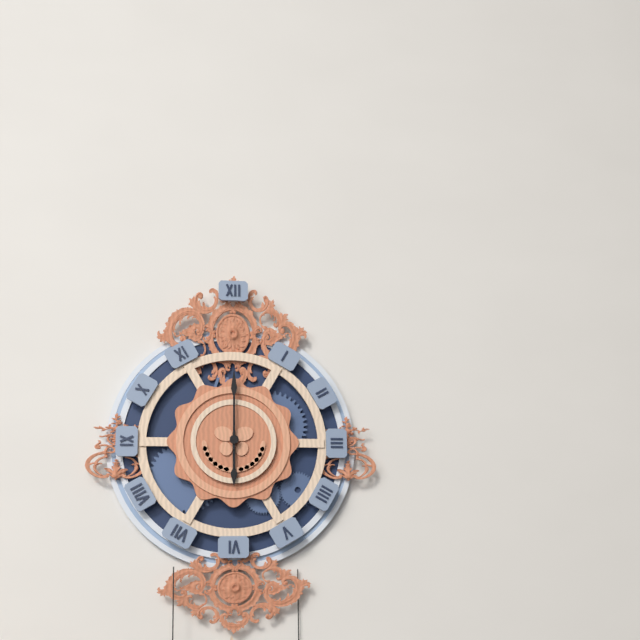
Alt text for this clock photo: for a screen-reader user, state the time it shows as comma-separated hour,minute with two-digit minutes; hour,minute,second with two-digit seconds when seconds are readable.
6,00
